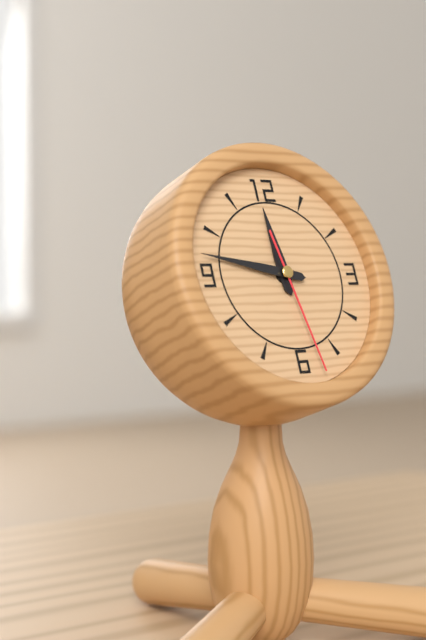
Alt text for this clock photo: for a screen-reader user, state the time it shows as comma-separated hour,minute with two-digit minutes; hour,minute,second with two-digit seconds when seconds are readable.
11,47,28
